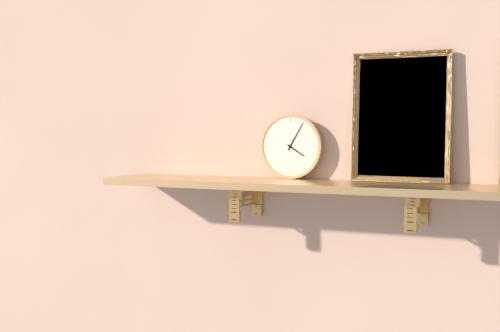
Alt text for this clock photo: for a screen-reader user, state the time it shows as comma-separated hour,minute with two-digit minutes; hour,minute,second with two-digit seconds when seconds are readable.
4,05
